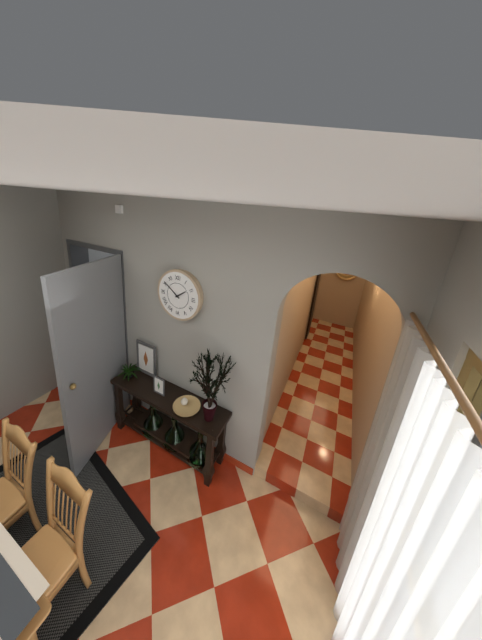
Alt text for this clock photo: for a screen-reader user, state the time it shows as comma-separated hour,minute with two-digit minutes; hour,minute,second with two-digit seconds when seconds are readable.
1,51
